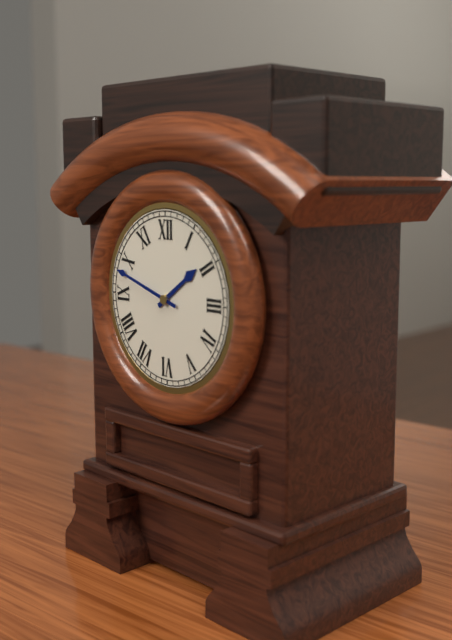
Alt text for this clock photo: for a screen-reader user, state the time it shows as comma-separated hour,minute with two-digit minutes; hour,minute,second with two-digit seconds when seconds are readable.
1,48
